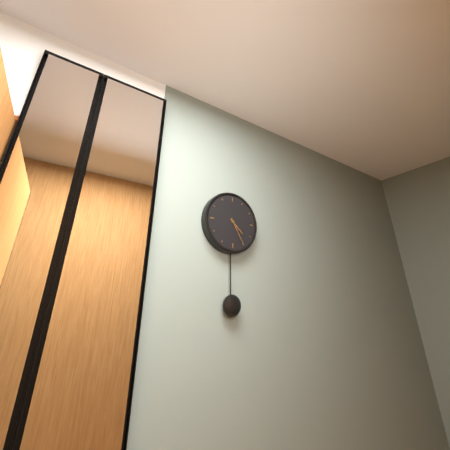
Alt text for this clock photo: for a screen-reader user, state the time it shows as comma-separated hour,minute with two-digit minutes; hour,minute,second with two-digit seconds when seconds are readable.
4,25
